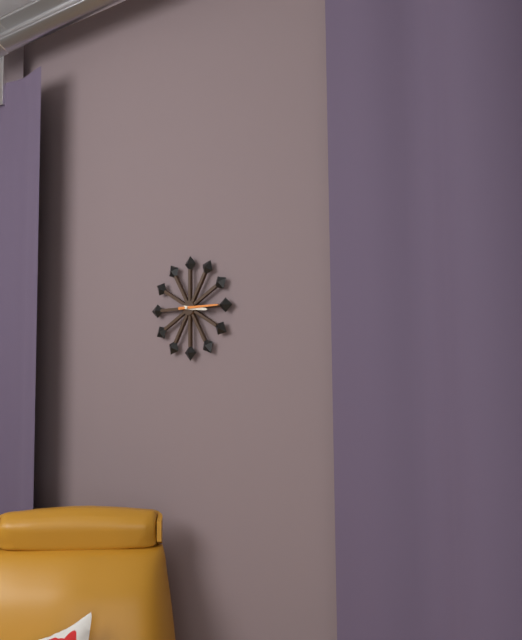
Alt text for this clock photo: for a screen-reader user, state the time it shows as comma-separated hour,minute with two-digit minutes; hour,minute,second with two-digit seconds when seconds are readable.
3,15
